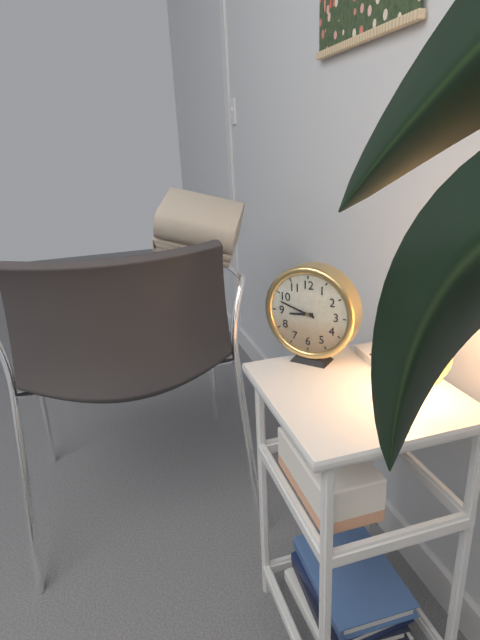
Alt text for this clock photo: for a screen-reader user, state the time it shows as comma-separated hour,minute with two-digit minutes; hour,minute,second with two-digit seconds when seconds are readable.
8,48
